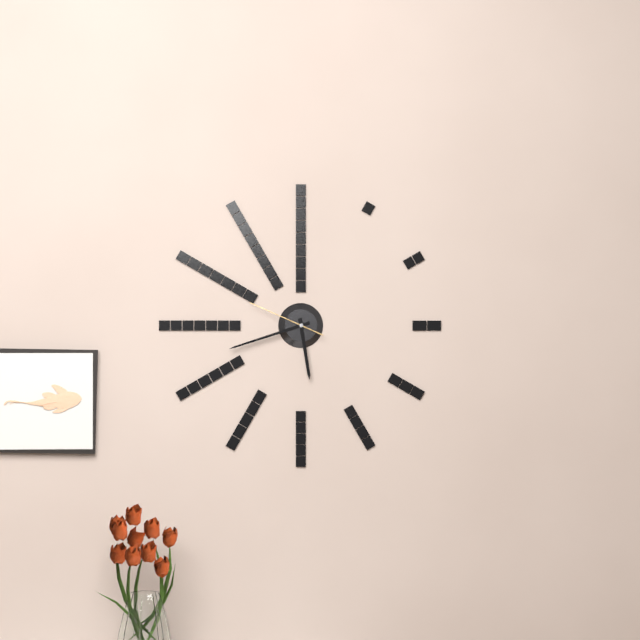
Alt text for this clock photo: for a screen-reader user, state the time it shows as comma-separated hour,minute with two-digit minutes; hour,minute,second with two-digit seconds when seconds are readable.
5,42,49
